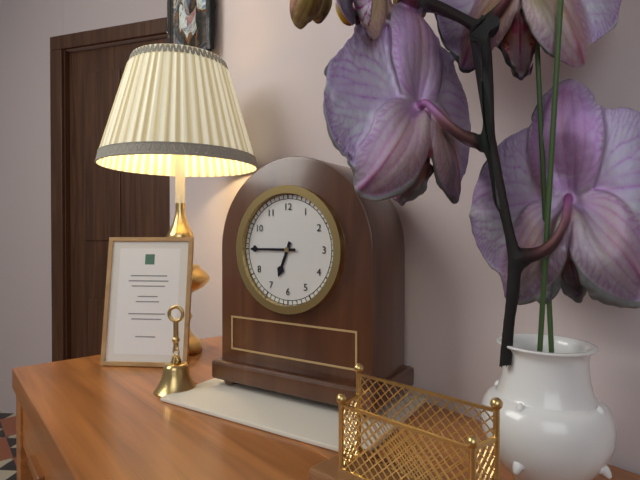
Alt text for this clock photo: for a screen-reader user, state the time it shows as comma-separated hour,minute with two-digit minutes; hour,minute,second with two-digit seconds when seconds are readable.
6,45
